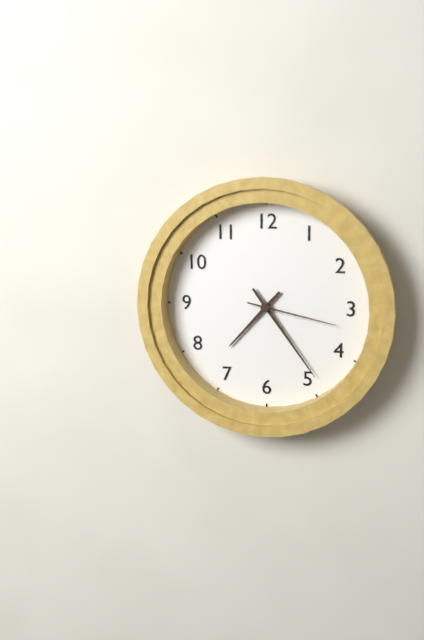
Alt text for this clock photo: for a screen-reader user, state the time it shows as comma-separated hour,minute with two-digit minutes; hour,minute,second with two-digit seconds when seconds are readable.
7,24,17
